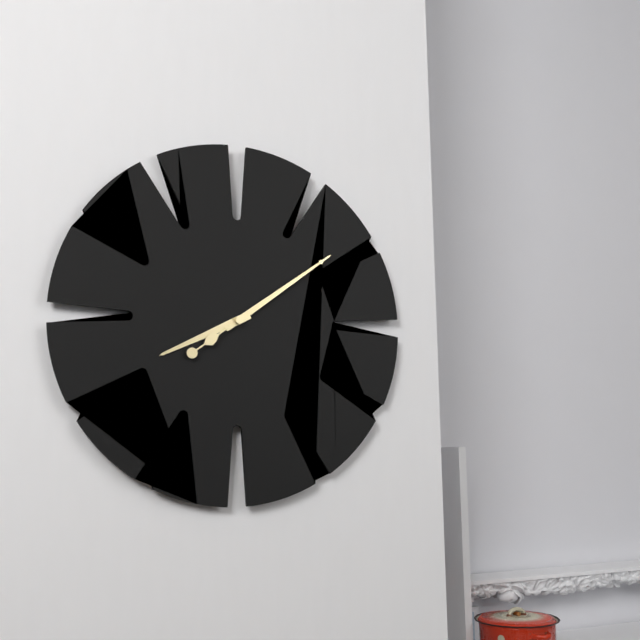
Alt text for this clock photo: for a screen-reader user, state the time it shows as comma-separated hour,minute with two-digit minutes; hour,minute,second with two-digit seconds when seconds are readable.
8,09,09
